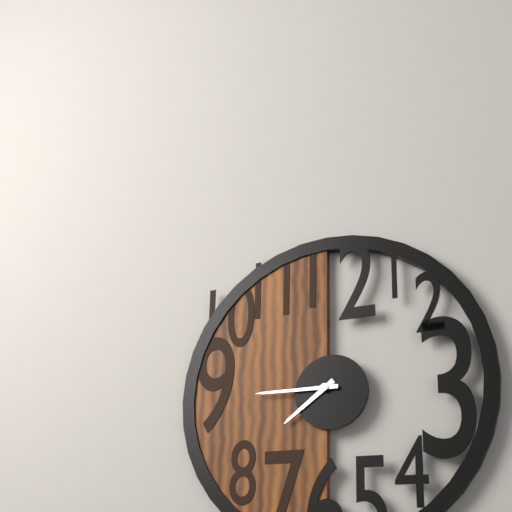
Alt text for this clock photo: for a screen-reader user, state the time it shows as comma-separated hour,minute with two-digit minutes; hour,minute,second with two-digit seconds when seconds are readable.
7,45
